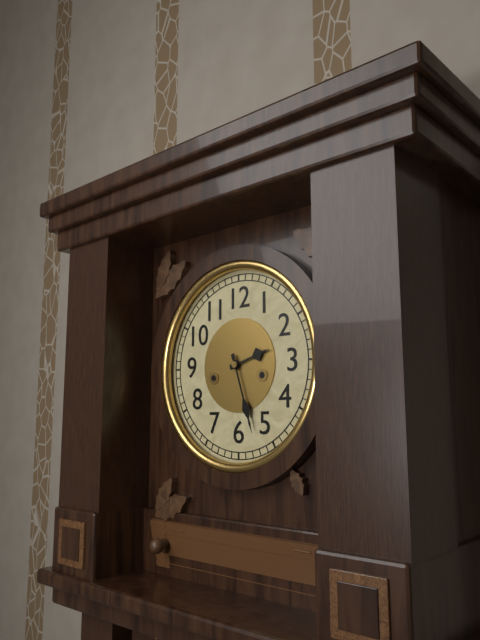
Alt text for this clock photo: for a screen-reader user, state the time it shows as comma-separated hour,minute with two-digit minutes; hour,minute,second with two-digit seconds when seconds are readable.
2,27
